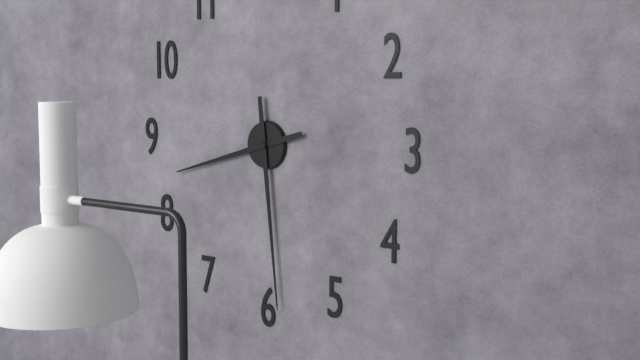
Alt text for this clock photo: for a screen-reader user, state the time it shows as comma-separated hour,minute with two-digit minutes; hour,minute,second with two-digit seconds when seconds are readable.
8,29
